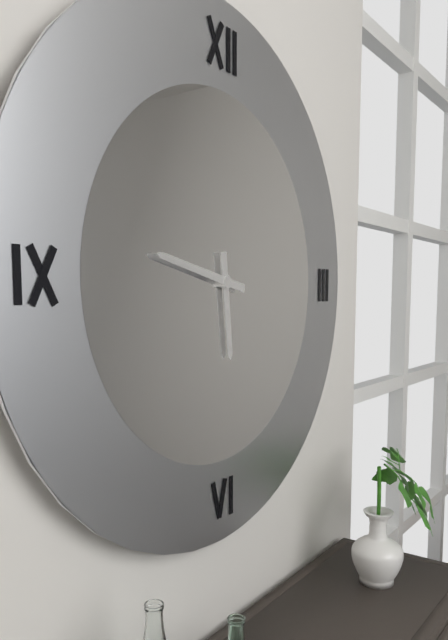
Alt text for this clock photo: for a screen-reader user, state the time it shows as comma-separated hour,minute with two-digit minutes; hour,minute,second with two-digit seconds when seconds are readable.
5,47
